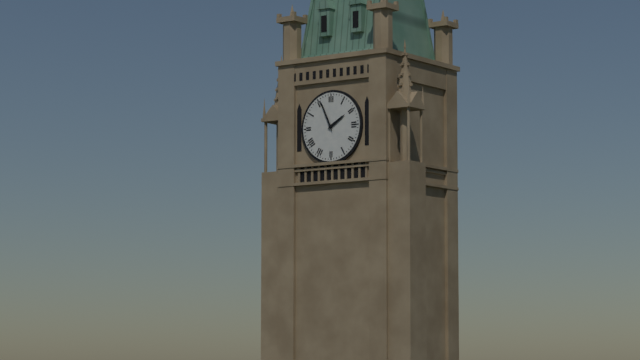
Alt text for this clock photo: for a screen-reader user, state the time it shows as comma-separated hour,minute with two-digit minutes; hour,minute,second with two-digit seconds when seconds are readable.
1,56
